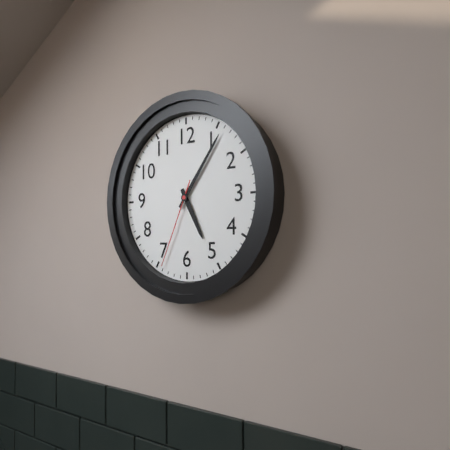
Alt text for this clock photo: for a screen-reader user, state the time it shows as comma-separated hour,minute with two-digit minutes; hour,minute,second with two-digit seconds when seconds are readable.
5,06,34
